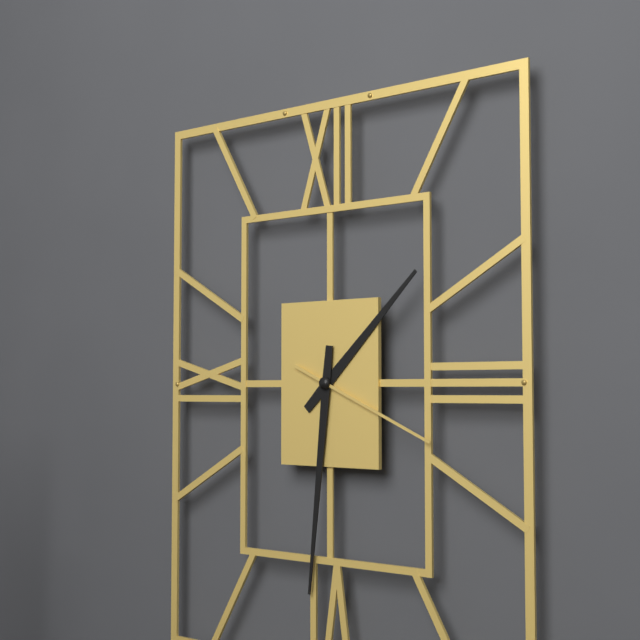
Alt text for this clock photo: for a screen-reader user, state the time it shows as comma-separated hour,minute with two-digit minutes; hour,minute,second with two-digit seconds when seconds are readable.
1,31,19
